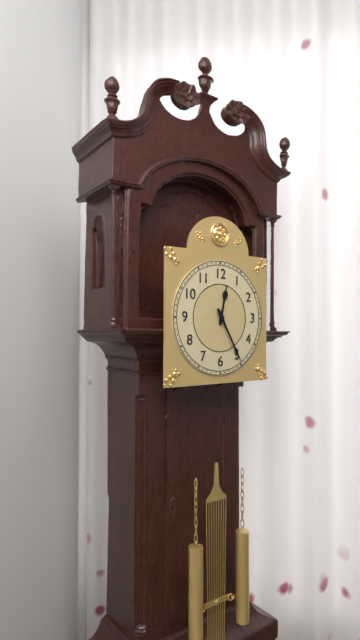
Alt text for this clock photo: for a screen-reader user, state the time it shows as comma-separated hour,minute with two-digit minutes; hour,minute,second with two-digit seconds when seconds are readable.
12,25
